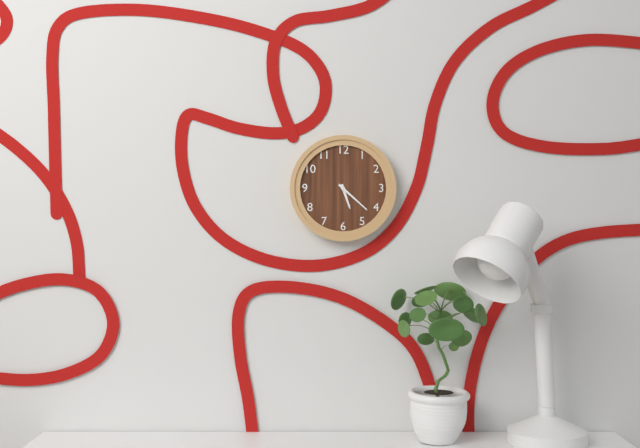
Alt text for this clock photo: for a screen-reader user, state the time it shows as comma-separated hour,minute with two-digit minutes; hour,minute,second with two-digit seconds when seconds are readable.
5,22
